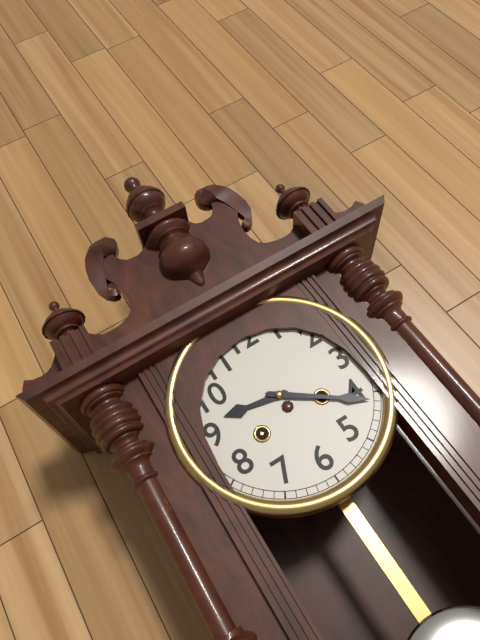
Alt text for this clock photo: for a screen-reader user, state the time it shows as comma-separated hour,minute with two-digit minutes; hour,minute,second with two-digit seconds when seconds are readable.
9,21
